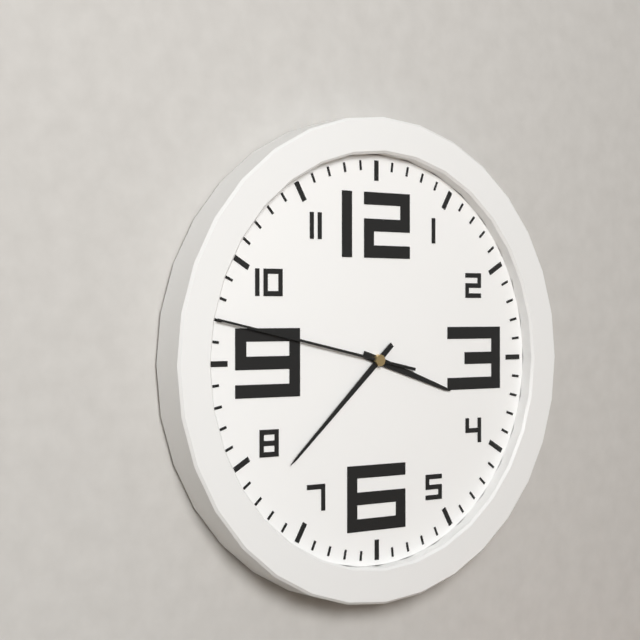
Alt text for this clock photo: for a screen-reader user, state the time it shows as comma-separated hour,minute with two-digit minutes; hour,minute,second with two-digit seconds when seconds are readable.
3,38,47
